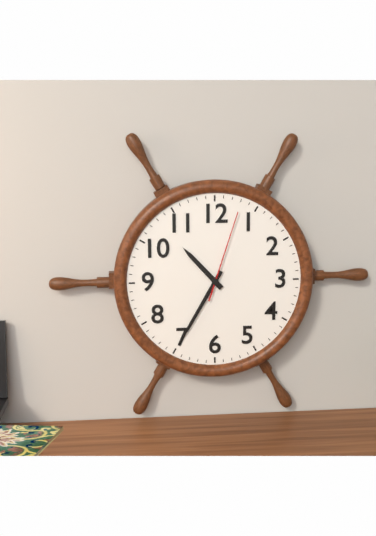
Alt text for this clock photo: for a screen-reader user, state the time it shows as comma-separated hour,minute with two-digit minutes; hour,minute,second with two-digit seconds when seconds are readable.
10,35,03
